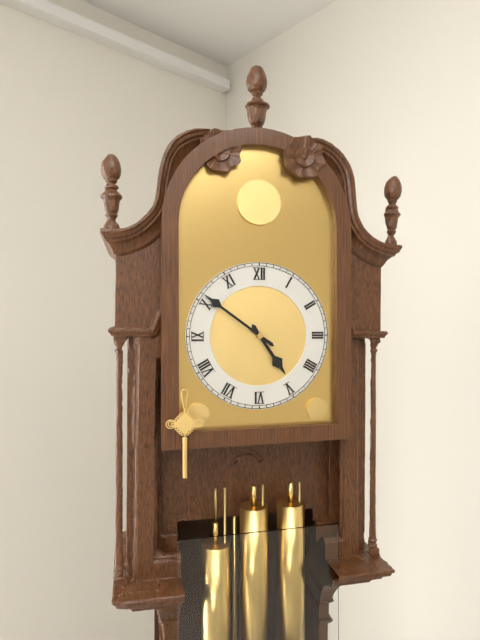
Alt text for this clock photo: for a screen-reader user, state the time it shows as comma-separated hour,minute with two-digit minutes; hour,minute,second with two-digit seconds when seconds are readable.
4,51
